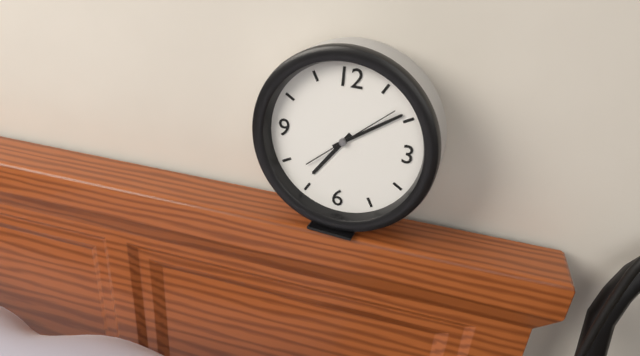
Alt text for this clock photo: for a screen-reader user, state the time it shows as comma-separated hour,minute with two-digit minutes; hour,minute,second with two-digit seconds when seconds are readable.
7,09,08
